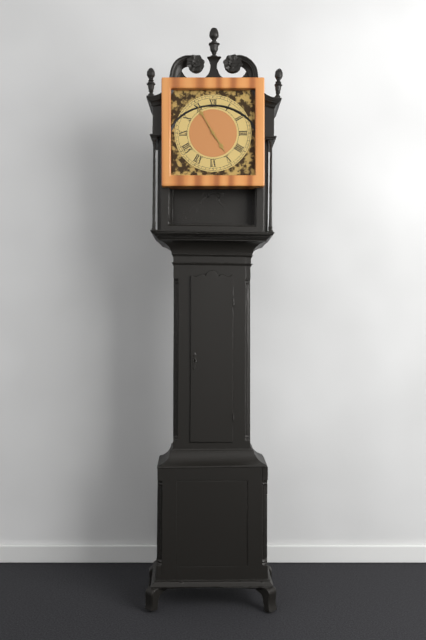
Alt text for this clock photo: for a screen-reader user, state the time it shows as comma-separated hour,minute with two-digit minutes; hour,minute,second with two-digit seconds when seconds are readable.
4,55
